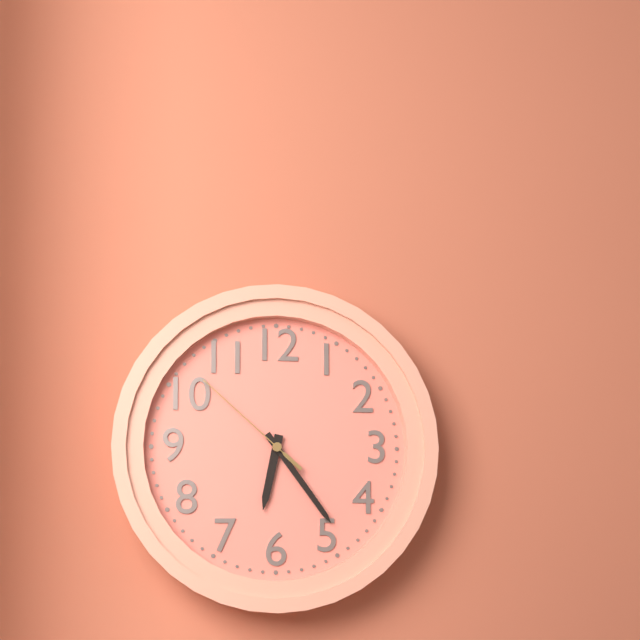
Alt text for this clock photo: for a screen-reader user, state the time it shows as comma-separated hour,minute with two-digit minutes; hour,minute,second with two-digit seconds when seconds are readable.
6,24,52
